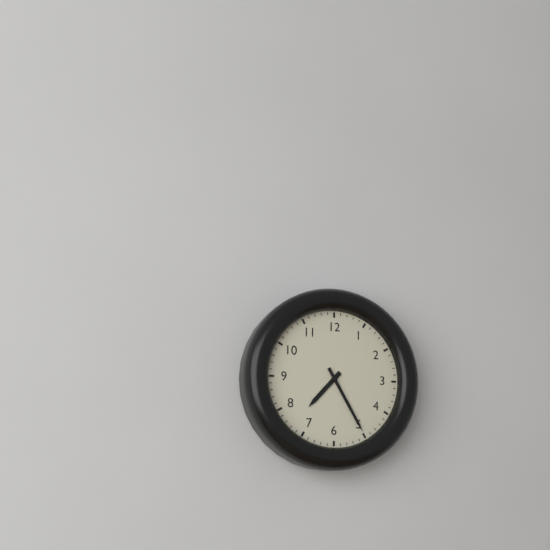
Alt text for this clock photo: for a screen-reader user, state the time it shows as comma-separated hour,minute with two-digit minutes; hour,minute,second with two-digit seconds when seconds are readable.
7,25
